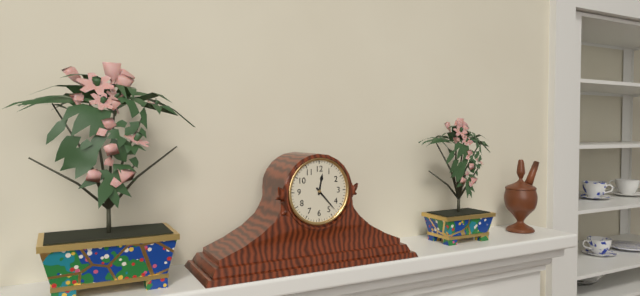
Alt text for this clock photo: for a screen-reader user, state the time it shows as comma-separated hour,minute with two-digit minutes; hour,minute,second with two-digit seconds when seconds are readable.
12,23
